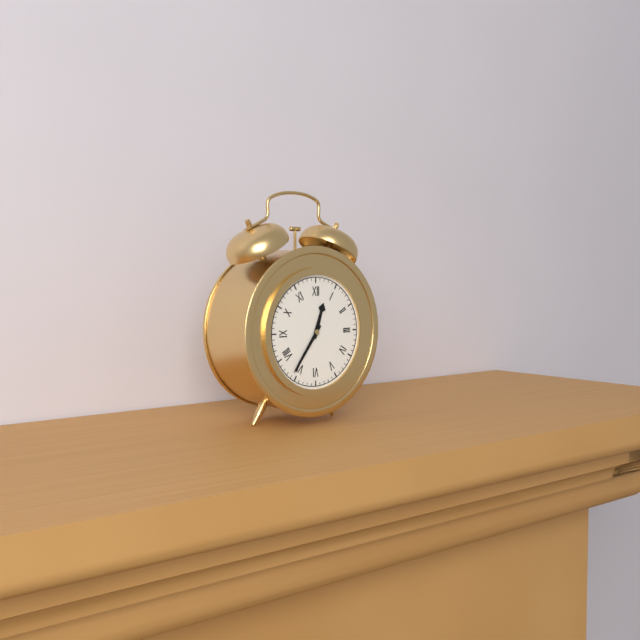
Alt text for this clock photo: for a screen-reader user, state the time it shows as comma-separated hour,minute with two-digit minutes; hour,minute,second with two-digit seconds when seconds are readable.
12,36
